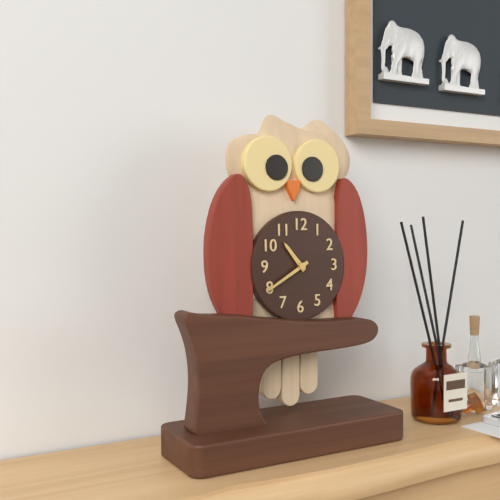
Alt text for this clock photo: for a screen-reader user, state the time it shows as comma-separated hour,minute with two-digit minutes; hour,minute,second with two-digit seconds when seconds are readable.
10,40
